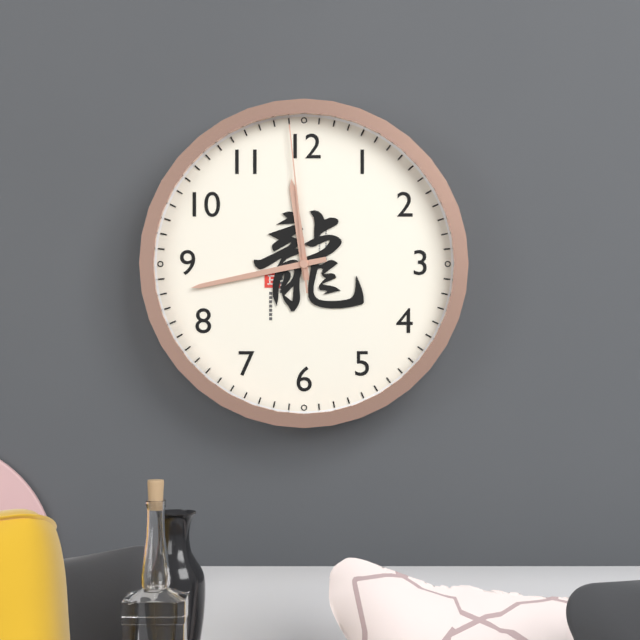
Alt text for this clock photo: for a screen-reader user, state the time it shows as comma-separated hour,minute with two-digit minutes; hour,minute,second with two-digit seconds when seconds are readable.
11,43,59
